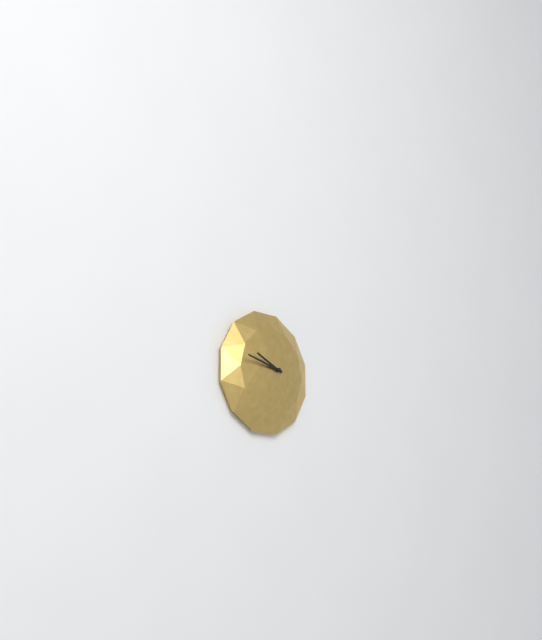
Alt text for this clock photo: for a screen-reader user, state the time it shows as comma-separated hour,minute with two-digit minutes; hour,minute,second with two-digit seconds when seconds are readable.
9,47
